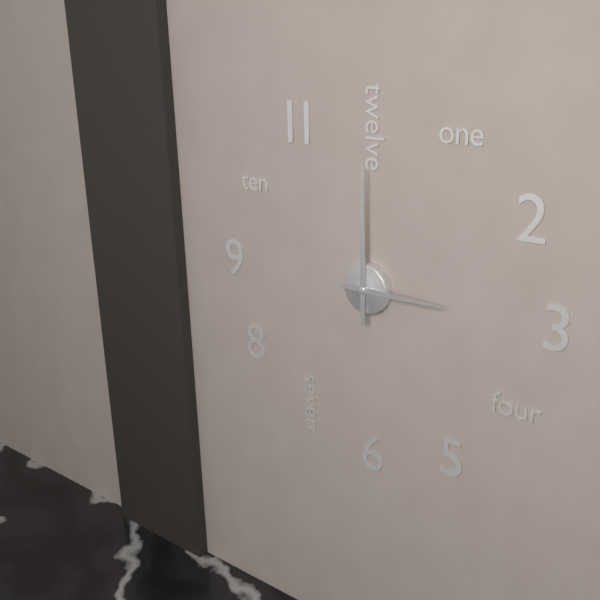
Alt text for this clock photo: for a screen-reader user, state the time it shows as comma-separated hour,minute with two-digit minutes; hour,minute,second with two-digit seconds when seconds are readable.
3,00
